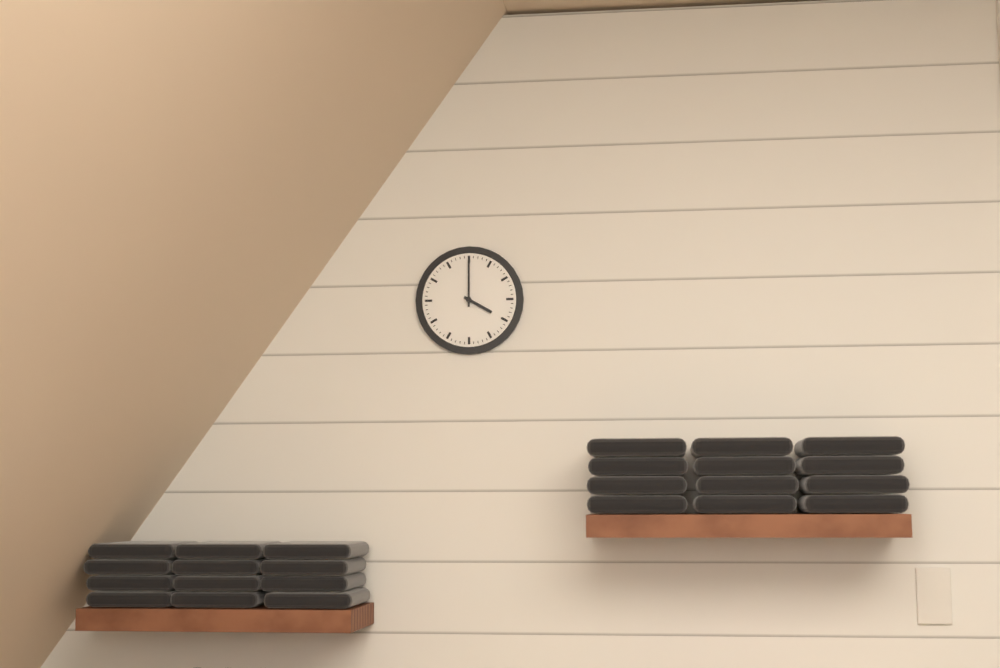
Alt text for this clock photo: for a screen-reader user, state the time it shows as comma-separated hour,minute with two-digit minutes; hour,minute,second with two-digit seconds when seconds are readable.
4,00
